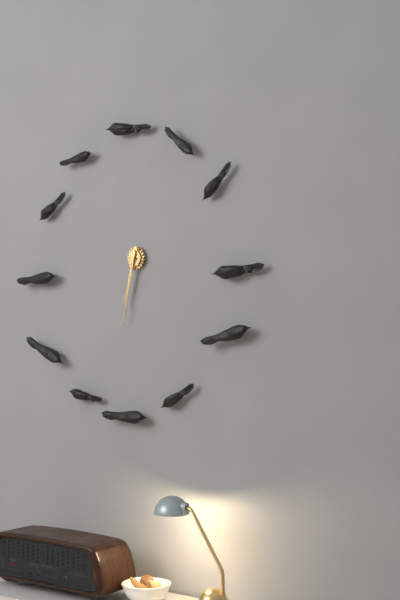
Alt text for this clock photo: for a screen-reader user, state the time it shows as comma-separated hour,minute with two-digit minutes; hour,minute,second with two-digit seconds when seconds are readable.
6,32
